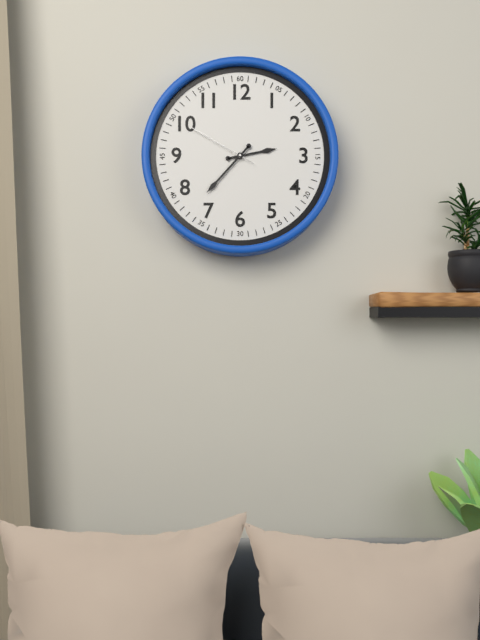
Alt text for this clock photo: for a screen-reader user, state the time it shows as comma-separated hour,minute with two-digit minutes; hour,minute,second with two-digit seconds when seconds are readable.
2,37,50
